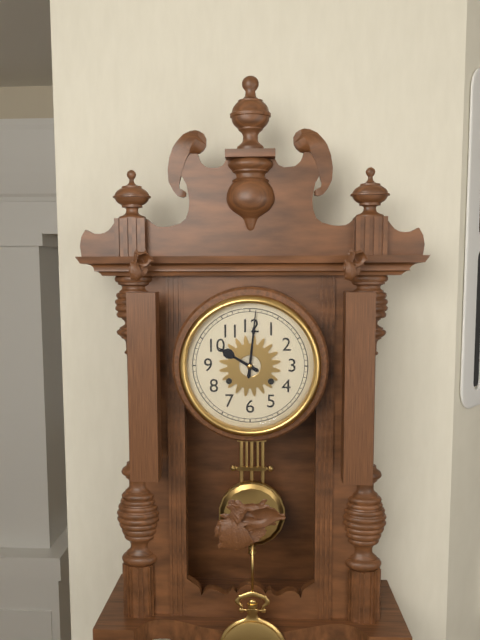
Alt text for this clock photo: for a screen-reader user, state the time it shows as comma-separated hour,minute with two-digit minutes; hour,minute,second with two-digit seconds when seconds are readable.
10,01
